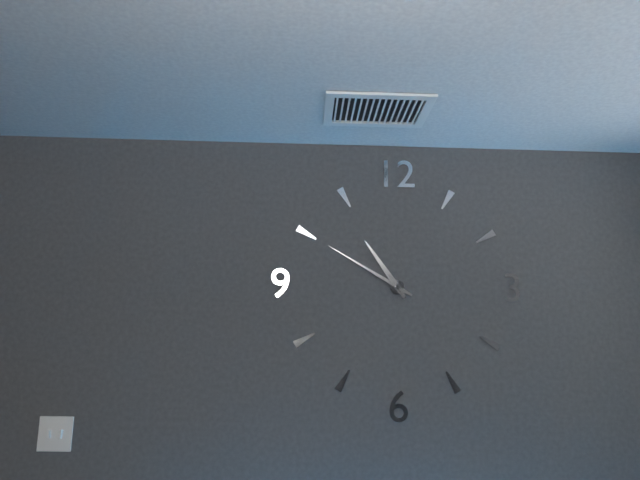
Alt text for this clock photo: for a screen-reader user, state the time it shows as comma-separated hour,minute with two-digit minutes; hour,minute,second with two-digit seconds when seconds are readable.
10,50
